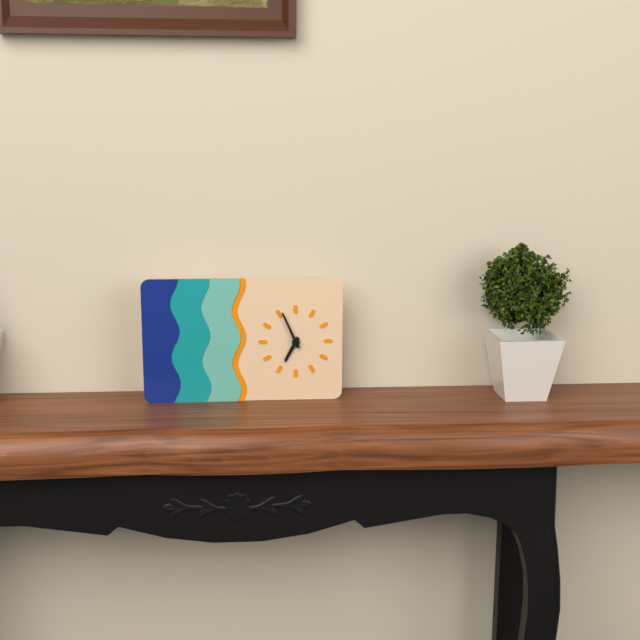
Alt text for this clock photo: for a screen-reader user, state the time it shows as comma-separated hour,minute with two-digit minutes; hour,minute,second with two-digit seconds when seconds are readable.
6,56
